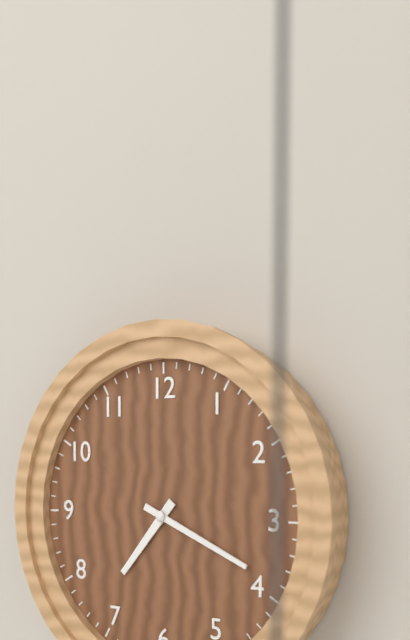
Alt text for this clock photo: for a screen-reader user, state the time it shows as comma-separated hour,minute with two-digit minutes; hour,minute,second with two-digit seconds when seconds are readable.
7,19
